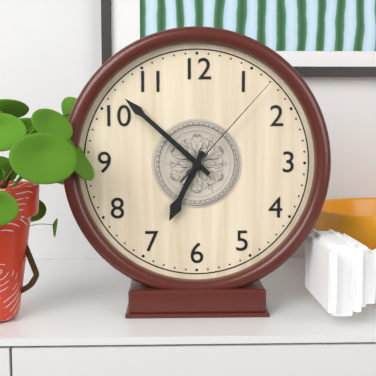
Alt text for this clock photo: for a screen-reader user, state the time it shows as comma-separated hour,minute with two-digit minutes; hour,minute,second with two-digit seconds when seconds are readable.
6,52,07
